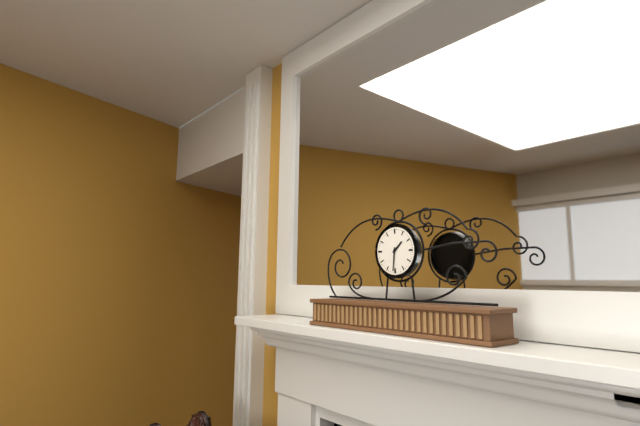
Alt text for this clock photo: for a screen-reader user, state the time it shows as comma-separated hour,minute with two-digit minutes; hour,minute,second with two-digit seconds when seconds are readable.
1,31
